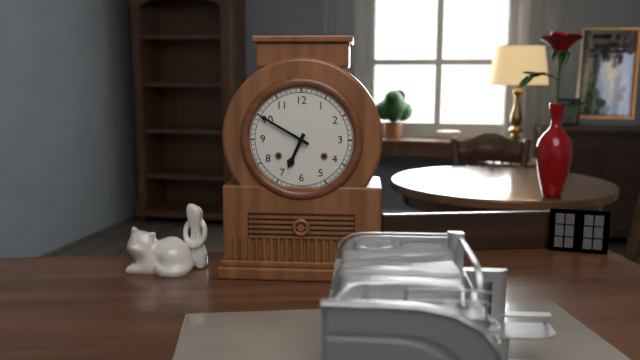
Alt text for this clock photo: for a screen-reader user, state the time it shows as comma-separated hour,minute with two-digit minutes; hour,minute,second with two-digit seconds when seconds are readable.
6,50
